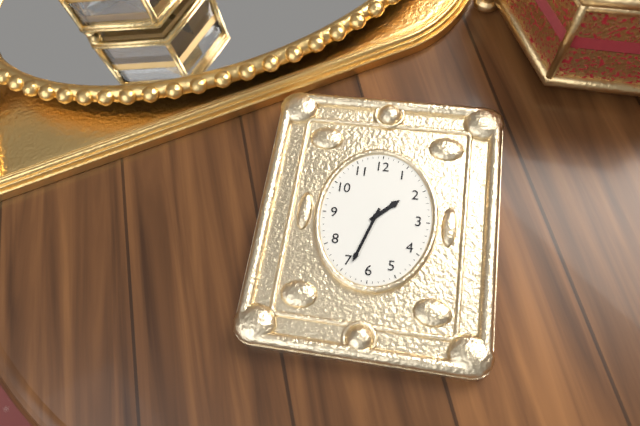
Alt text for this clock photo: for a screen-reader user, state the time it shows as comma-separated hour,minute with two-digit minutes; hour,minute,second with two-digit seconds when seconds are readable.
1,33
